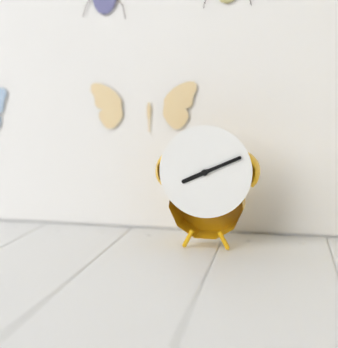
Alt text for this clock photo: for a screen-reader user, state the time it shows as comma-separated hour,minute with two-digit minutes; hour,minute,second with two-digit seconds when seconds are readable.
8,11
